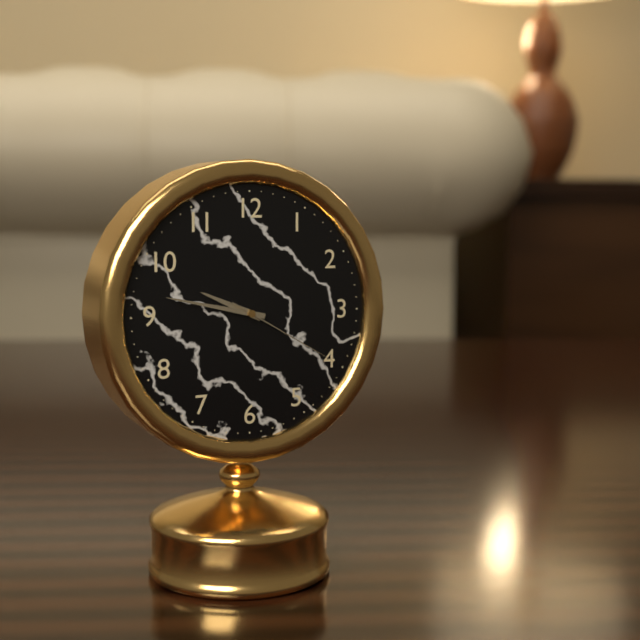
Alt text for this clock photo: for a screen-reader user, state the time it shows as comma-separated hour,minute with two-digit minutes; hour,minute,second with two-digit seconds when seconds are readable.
9,47,20
